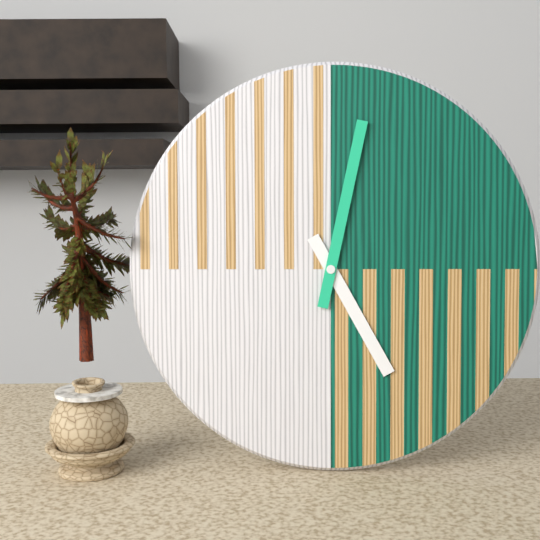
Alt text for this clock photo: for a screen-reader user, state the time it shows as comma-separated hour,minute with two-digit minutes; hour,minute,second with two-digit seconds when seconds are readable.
5,02
